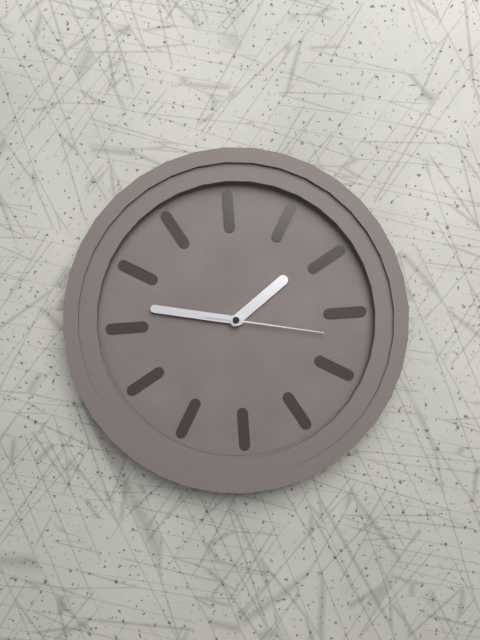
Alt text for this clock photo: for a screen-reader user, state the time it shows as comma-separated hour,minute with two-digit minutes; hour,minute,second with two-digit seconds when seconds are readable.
1,47,17
